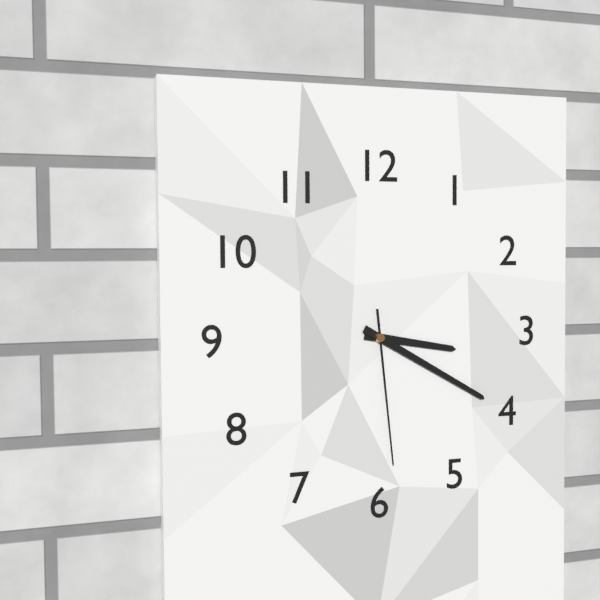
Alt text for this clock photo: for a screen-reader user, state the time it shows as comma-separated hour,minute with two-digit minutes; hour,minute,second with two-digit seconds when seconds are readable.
3,20,29
